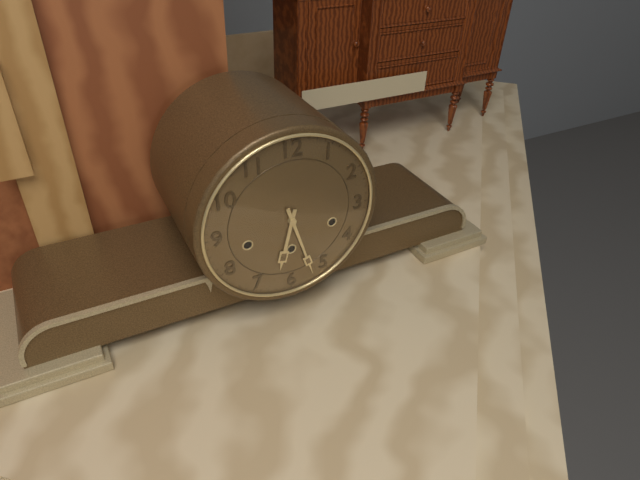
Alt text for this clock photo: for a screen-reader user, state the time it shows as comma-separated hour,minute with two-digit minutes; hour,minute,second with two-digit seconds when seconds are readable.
6,27
